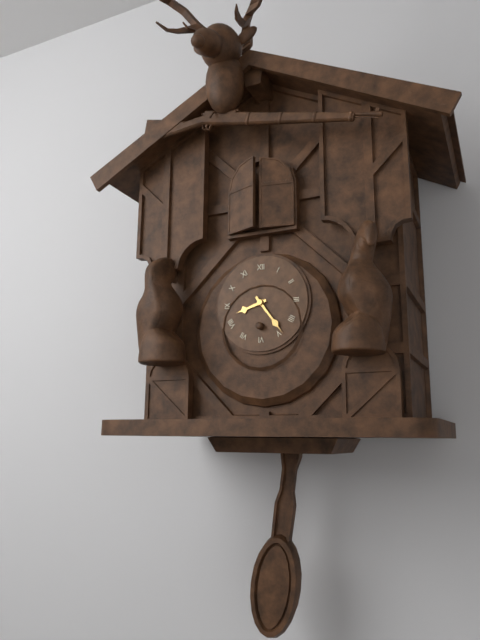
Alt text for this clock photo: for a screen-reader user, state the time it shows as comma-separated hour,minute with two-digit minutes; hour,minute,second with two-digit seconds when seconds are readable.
8,24
